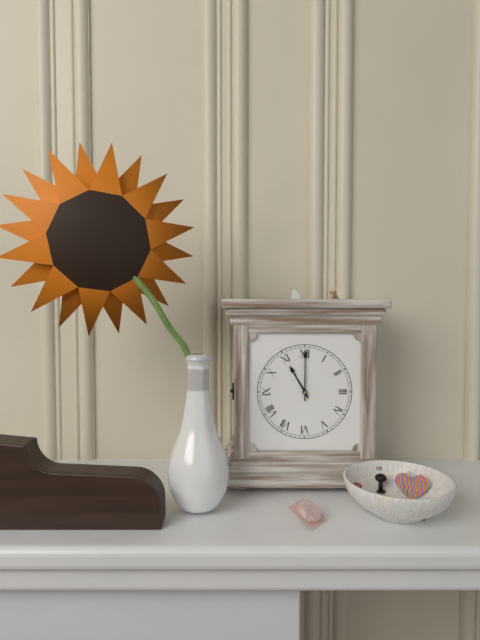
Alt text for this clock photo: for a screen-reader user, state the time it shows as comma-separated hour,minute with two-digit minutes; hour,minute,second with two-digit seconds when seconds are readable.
11,00
